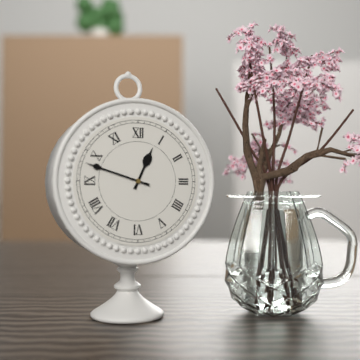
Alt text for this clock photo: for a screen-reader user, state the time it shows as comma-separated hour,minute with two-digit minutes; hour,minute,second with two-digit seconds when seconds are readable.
12,48
